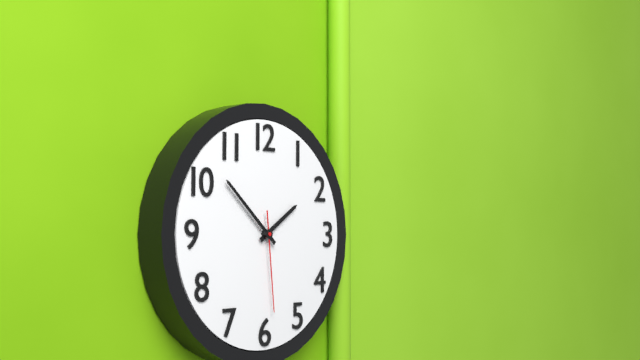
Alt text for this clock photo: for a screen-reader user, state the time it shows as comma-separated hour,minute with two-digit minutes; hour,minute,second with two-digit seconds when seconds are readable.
1,52,29
